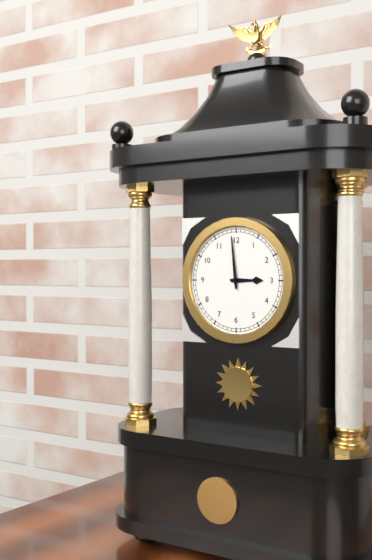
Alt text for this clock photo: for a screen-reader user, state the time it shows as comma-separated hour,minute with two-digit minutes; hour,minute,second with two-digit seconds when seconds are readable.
2,59
